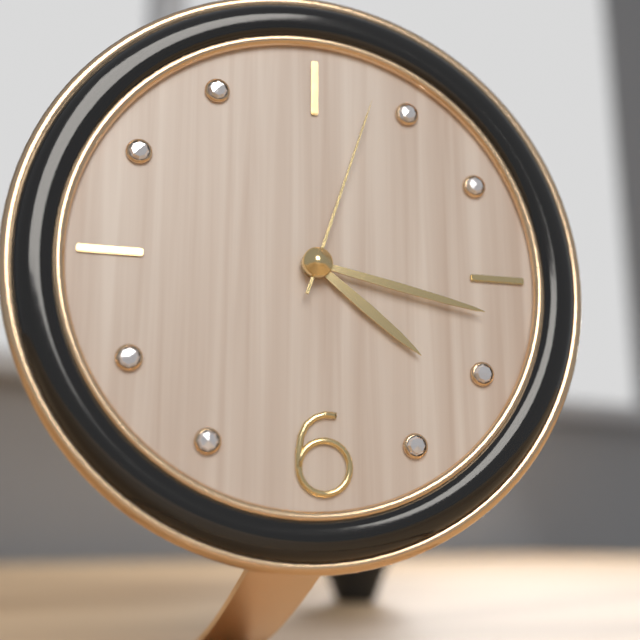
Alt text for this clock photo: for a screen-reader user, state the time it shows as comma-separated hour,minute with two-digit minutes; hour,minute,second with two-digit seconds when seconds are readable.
4,17,03
